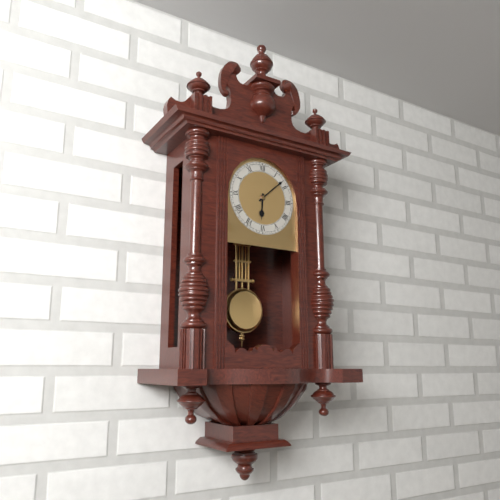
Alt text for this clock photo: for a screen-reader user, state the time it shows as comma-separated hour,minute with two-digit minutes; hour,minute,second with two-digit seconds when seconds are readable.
6,08
